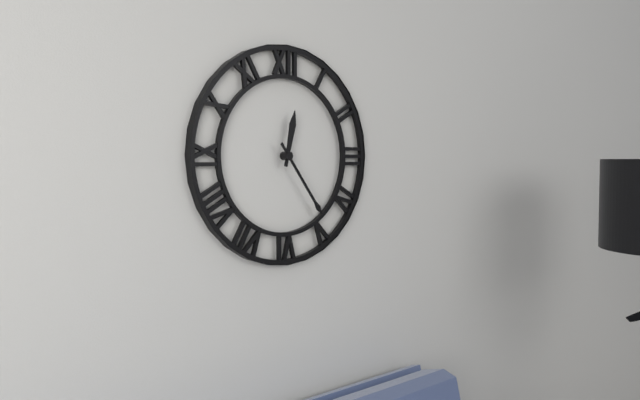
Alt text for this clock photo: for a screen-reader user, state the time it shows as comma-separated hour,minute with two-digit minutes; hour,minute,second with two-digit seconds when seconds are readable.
12,24
